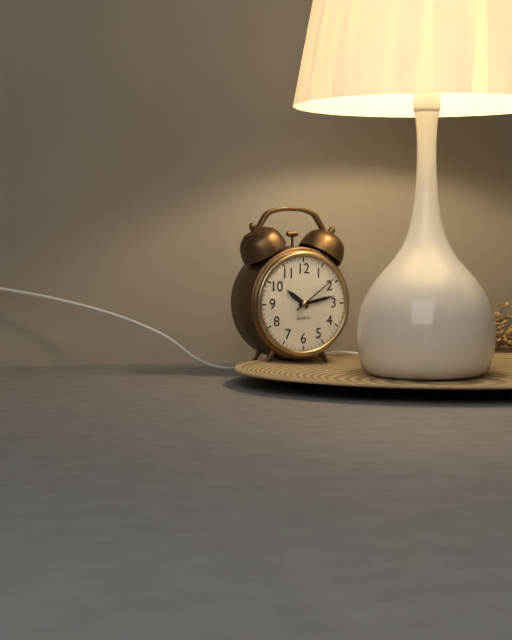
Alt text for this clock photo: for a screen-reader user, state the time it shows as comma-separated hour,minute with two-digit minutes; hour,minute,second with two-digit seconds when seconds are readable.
10,13
